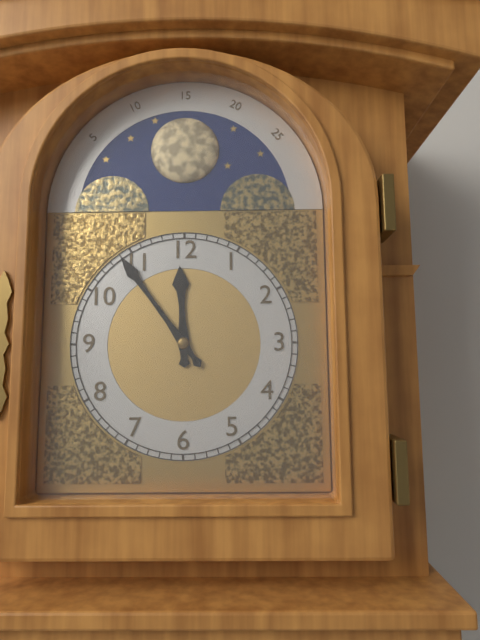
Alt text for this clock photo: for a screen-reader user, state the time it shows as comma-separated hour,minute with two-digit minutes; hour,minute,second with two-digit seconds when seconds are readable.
11,54
